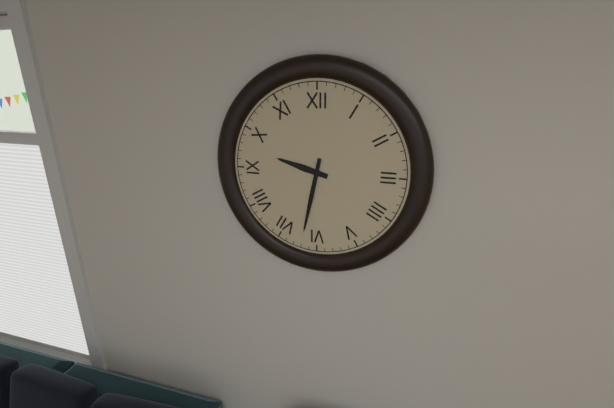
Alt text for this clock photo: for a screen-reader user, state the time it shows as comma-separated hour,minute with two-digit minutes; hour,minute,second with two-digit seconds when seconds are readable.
9,32
